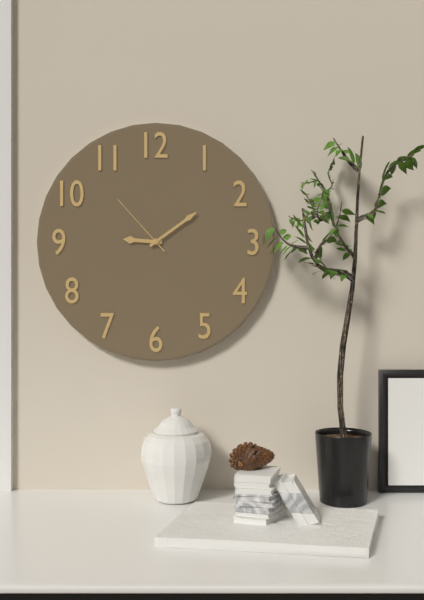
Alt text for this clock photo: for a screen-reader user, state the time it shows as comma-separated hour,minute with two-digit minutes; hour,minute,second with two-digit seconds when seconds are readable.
9,09,53
